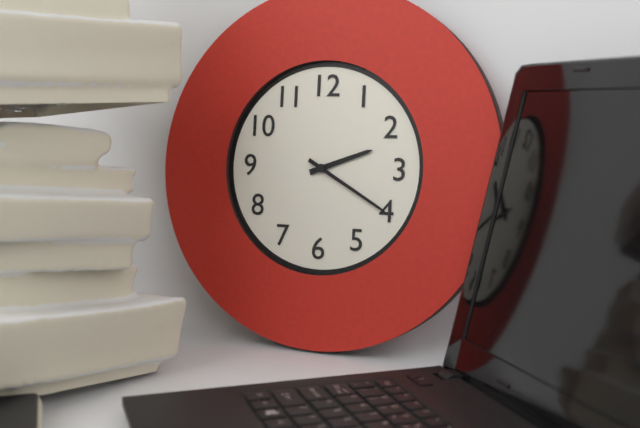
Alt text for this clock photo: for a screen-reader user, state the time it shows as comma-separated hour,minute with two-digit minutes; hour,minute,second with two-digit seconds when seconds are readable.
2,20
